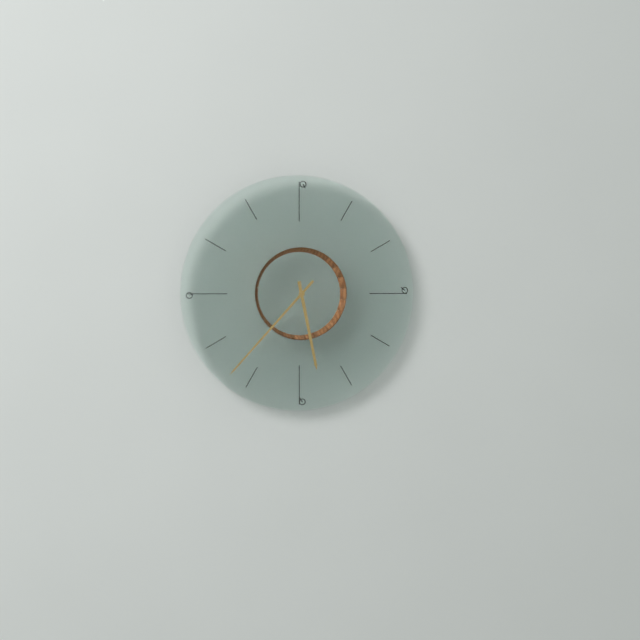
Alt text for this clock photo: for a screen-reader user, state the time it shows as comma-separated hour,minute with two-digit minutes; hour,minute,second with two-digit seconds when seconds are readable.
5,37
